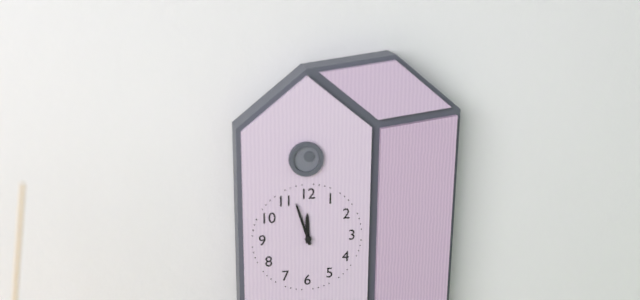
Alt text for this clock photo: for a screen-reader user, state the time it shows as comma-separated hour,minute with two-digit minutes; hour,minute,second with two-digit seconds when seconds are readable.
11,57
